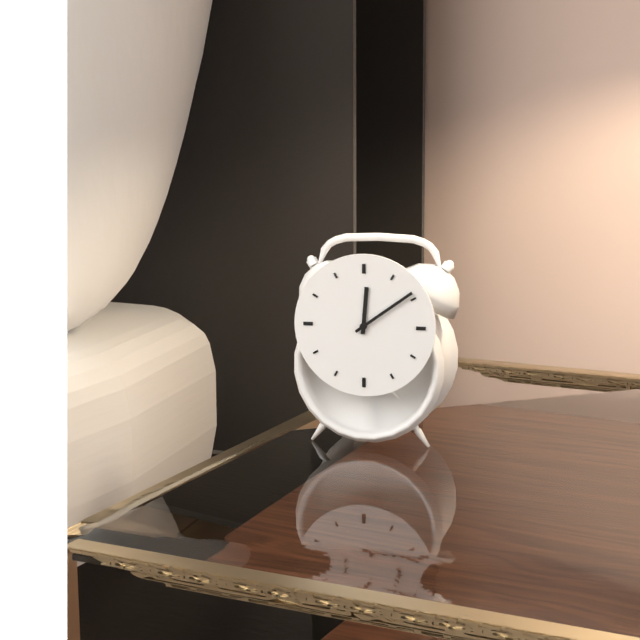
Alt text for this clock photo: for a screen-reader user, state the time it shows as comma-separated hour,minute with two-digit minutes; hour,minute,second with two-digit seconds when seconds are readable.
12,09
